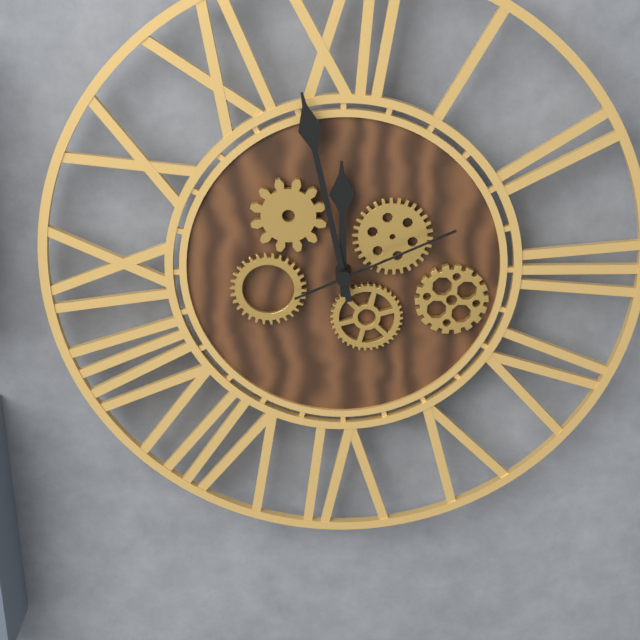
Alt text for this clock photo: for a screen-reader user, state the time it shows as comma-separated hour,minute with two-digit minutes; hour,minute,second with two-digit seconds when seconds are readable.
11,58,11
